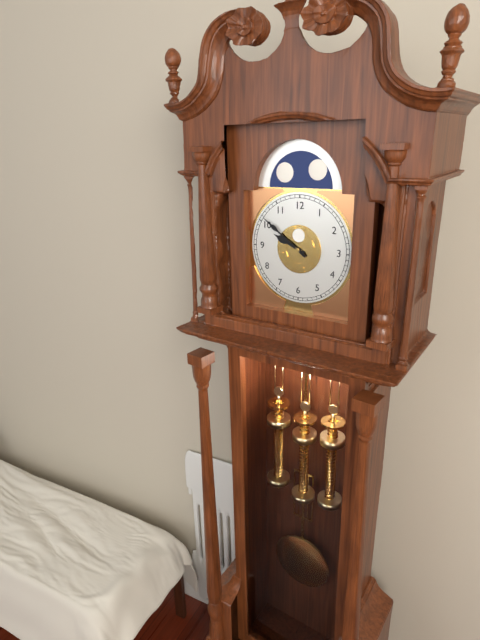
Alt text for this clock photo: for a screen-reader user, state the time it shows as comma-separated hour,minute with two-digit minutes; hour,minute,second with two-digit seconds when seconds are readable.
9,51
